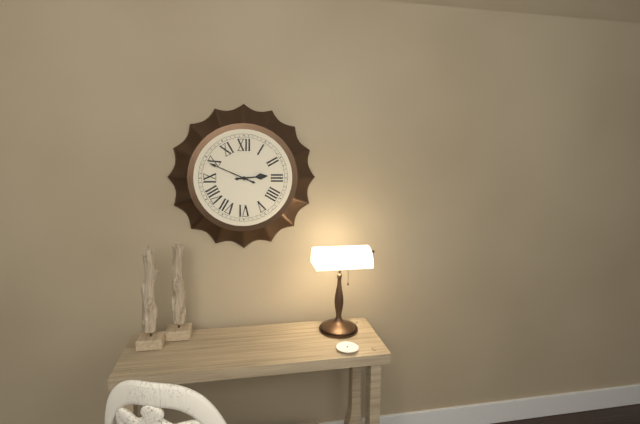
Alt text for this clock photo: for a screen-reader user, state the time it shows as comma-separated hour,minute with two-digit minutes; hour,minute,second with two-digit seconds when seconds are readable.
2,49
